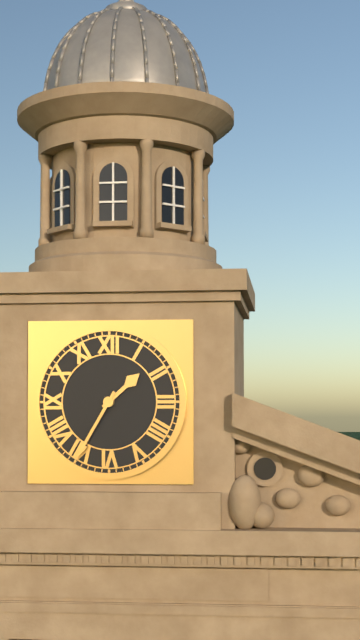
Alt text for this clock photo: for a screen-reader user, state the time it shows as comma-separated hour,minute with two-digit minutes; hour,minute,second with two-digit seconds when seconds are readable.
1,35
